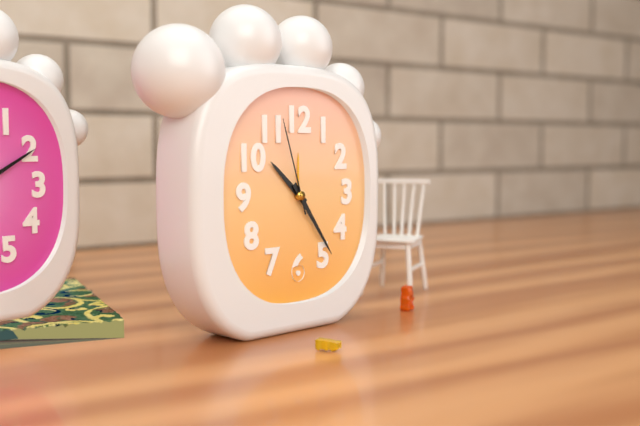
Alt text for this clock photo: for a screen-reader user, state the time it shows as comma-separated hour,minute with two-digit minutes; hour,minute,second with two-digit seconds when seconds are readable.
10,24,57
